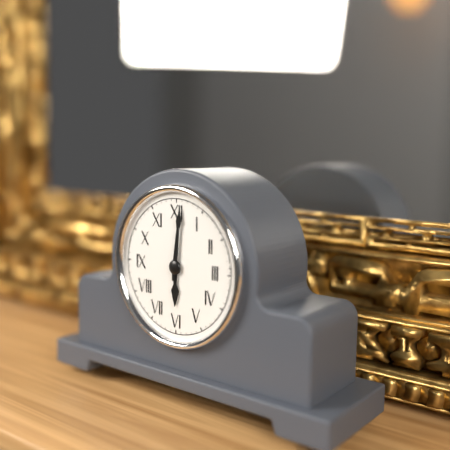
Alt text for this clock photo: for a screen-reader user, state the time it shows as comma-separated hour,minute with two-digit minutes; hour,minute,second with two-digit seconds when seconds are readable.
6,01
